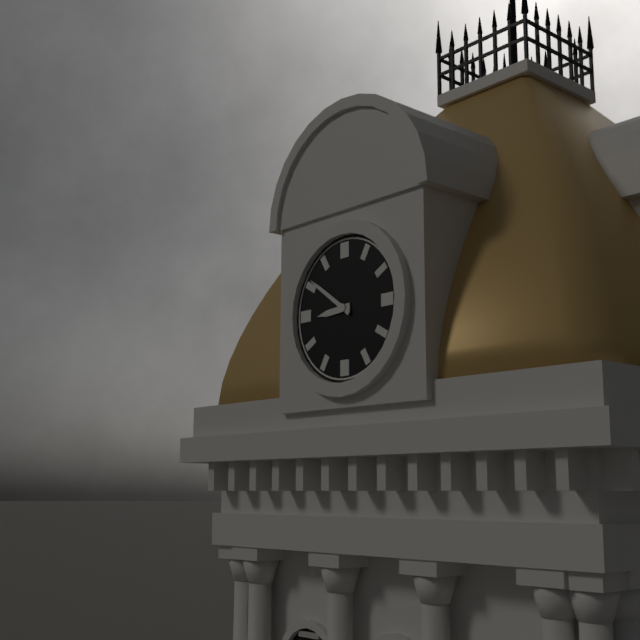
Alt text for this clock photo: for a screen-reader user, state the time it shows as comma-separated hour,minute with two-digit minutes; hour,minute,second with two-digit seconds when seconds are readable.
8,51
